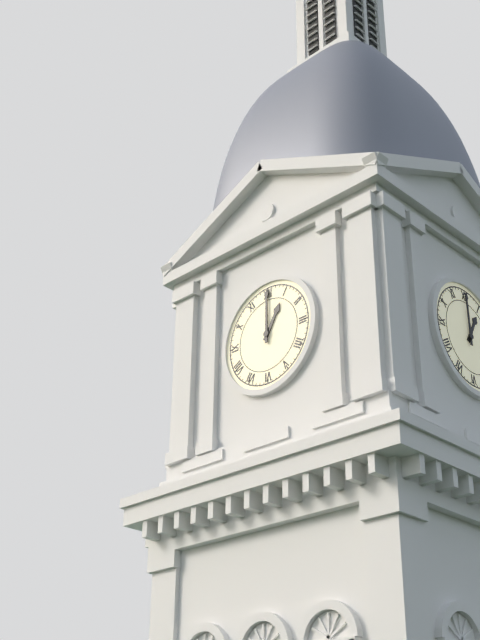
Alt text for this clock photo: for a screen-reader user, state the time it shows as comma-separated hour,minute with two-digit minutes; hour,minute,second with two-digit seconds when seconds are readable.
1,00
